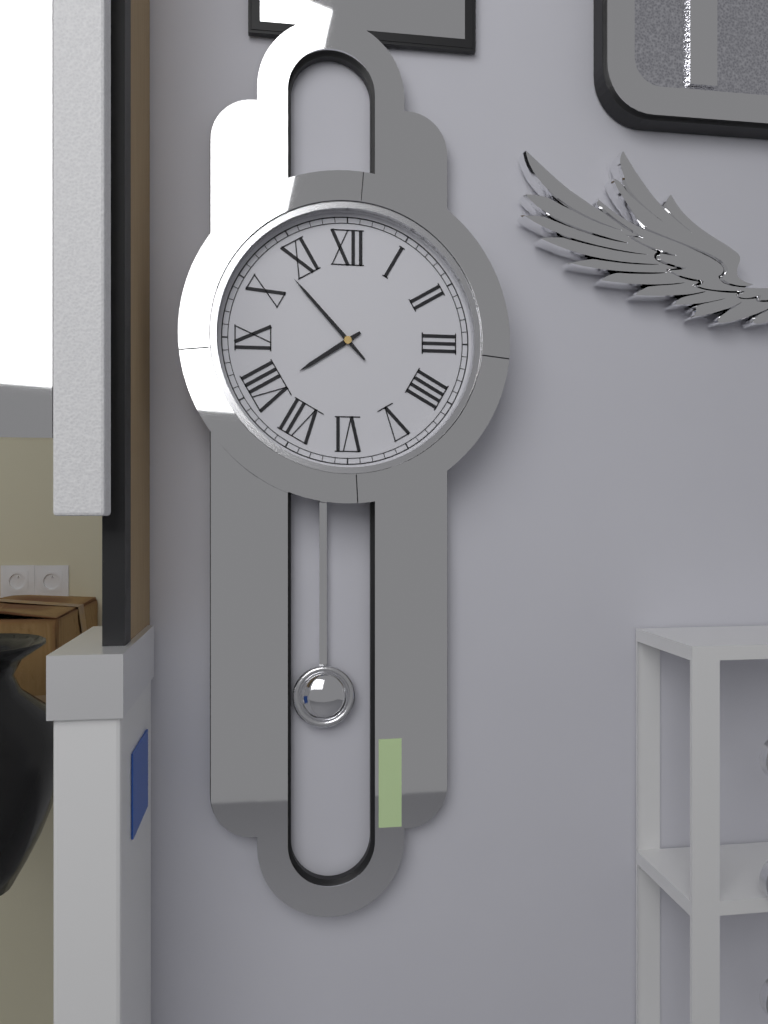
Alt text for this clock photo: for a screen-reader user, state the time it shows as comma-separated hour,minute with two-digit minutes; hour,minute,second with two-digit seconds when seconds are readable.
7,53
